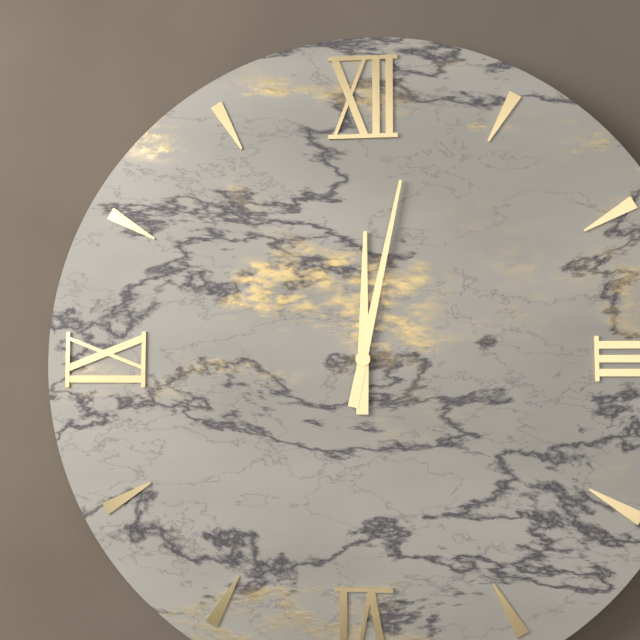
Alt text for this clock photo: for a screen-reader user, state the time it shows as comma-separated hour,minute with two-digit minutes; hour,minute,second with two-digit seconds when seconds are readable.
12,02
